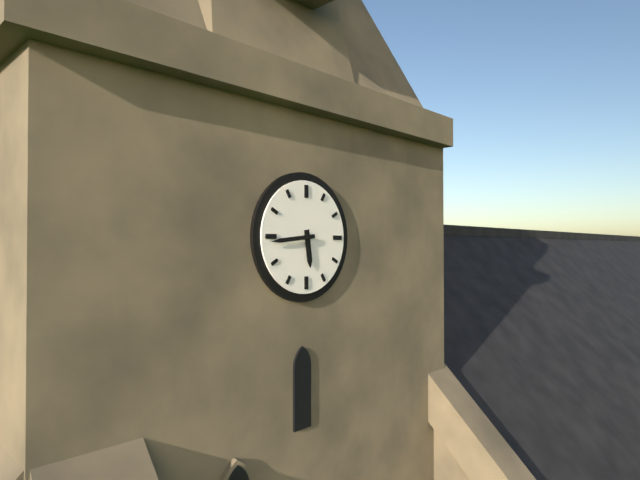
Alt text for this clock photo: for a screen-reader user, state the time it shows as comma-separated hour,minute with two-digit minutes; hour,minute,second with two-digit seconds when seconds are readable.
5,44
